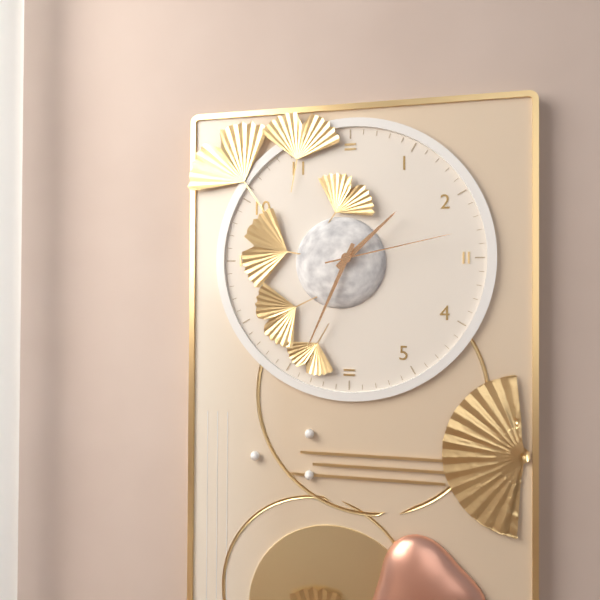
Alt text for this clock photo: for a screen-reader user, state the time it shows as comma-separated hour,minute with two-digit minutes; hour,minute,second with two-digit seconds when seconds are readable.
1,34,13
